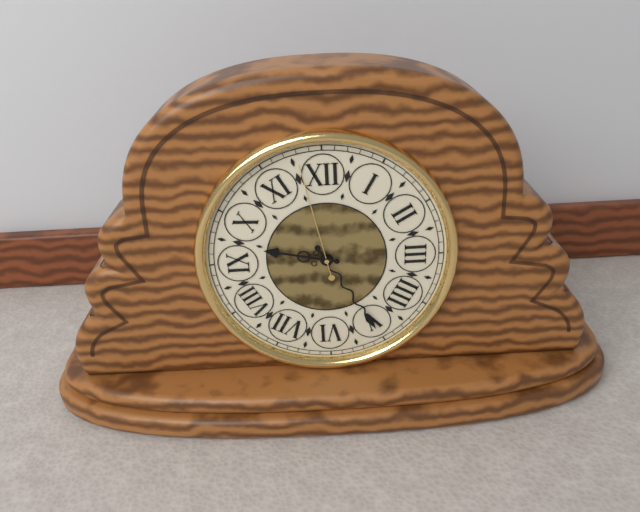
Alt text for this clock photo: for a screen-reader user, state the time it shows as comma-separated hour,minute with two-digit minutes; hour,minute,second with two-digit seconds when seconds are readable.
9,25,58
